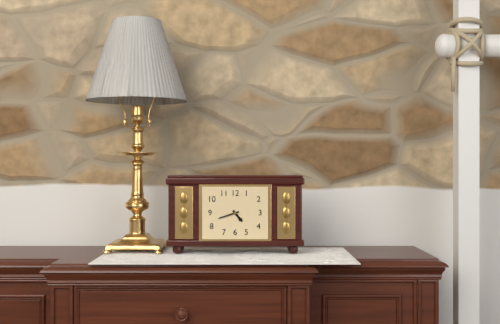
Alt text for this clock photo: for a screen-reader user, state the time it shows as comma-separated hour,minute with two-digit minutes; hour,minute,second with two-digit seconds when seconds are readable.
4,42
